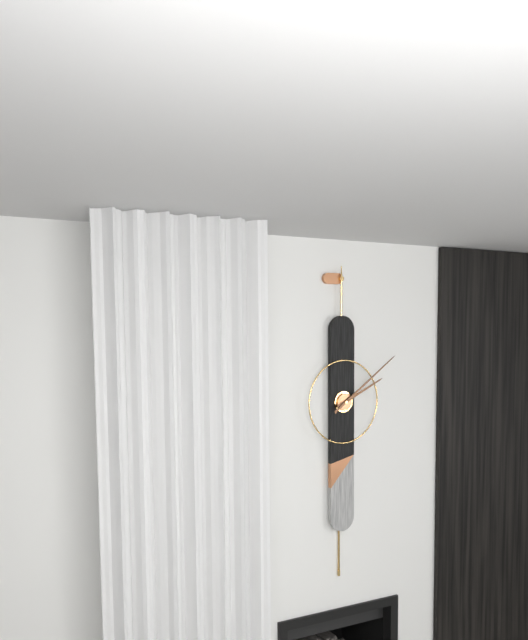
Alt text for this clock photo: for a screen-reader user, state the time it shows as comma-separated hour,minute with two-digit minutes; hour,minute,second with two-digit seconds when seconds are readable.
2,09
